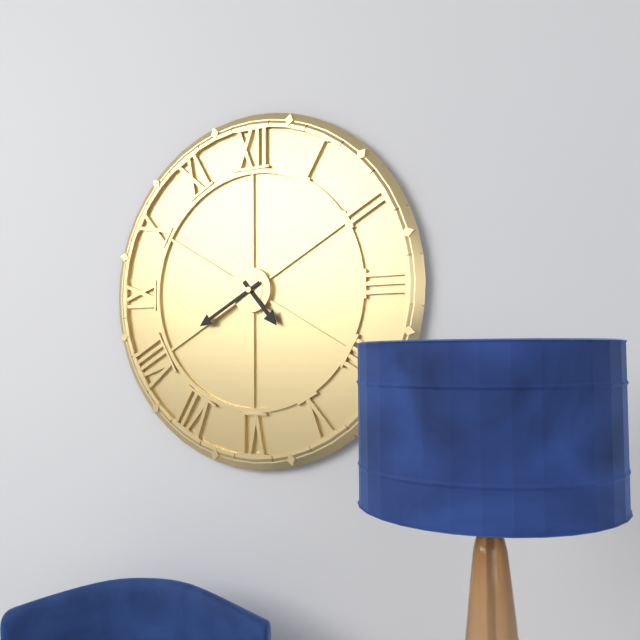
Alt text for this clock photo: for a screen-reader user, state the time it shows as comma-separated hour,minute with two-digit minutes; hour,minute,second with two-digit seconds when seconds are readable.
4,40
